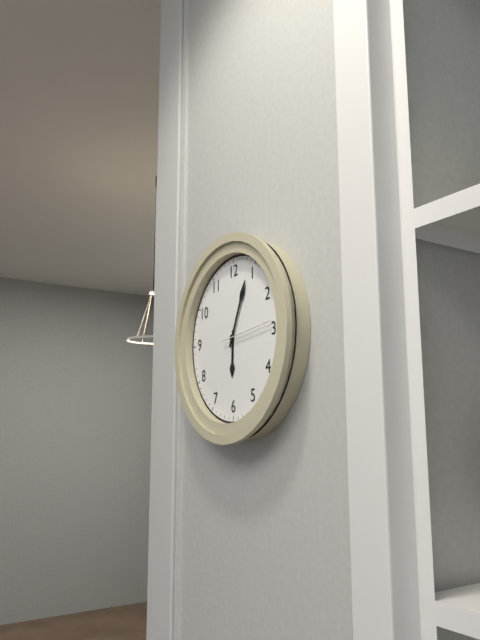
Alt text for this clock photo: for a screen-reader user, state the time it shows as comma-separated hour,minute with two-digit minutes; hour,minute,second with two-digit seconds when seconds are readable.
6,04,14
